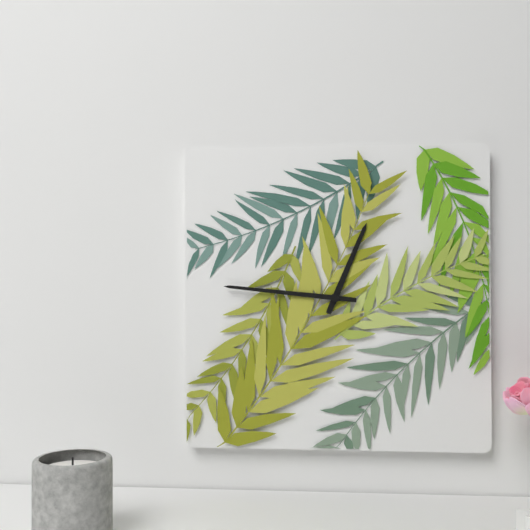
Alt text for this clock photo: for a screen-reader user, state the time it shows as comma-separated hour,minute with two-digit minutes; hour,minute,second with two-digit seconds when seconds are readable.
12,46
